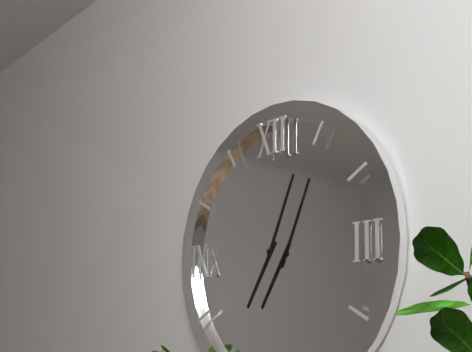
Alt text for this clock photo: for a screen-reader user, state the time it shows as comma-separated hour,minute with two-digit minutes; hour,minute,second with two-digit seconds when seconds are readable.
7,04
